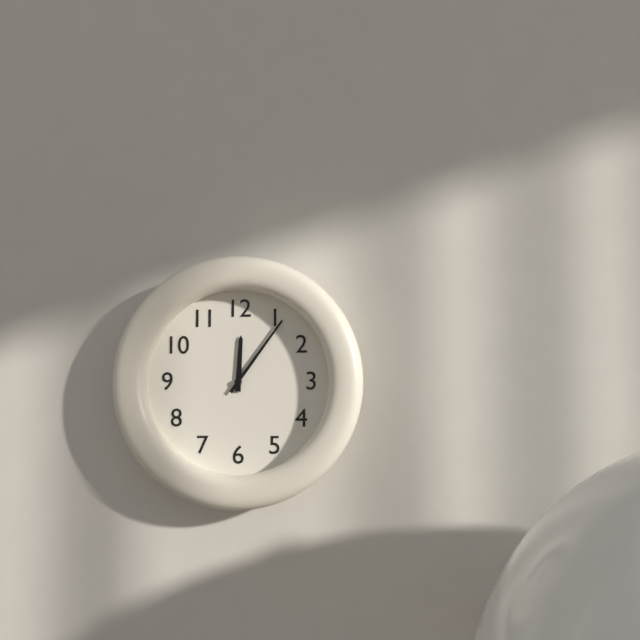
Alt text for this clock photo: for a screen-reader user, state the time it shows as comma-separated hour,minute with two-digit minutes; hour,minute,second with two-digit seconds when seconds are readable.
12,06
